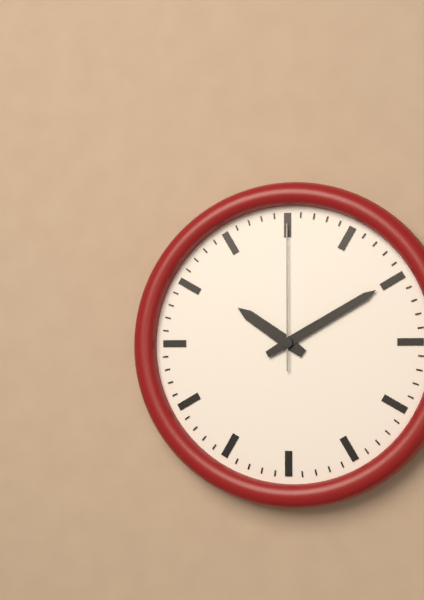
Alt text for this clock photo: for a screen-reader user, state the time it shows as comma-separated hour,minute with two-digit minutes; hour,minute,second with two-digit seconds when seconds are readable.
10,10,00
